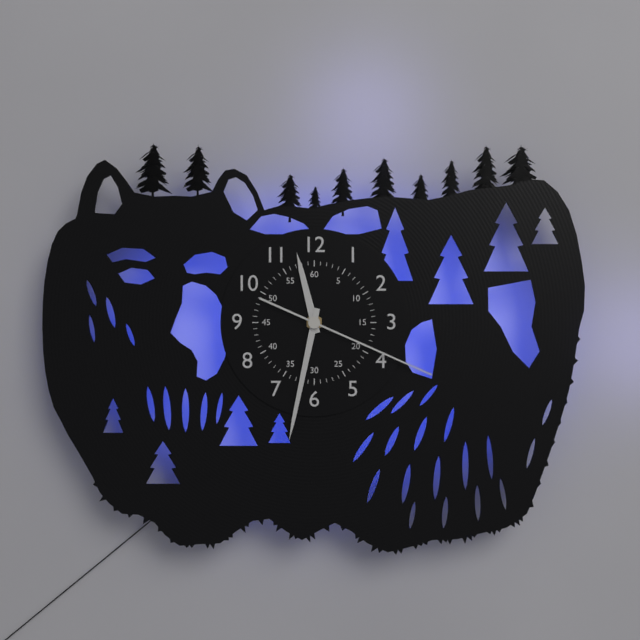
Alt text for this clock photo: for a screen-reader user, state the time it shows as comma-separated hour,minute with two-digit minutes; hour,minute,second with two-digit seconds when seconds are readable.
11,32,19
